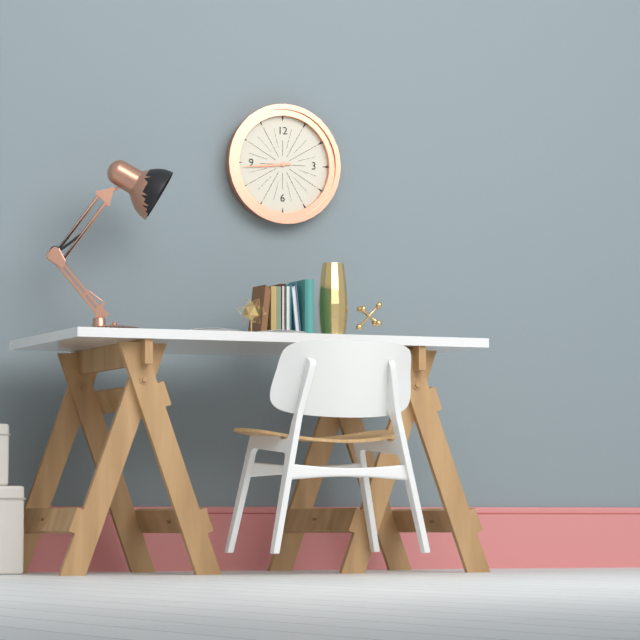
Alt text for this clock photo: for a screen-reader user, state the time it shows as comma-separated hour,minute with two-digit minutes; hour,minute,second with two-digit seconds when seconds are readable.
8,44
